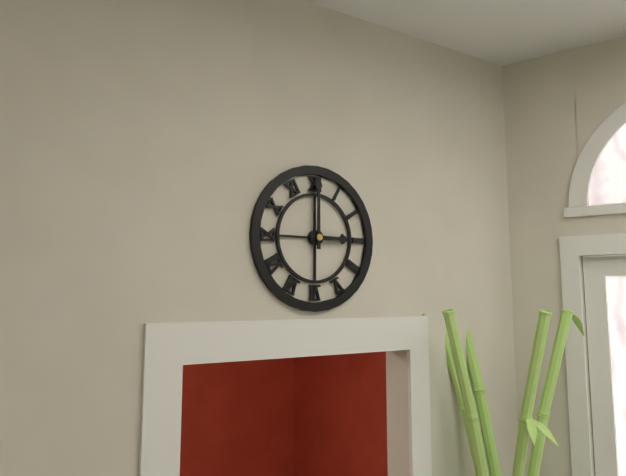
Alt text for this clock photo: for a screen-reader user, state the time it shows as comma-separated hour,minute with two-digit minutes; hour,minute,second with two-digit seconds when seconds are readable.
3,00
